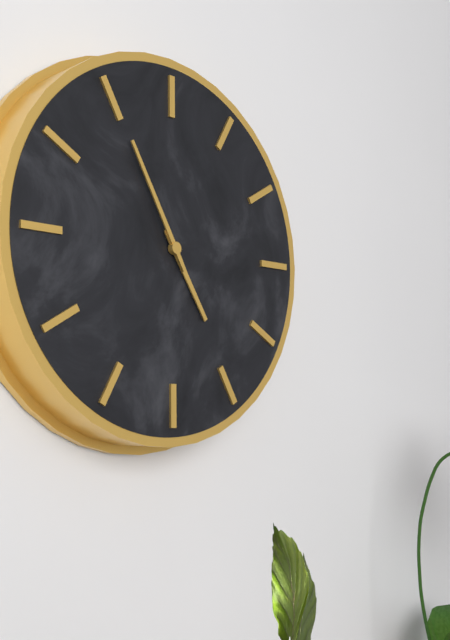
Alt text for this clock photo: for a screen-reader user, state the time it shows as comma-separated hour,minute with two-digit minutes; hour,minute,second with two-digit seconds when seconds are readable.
4,55
